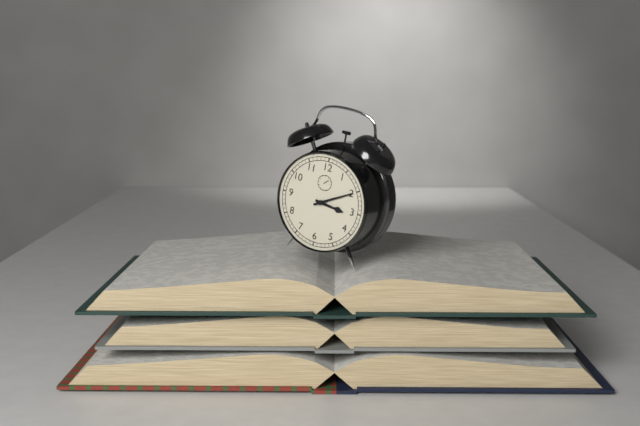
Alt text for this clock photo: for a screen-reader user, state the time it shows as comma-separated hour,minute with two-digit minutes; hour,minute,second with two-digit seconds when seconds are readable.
3,10
